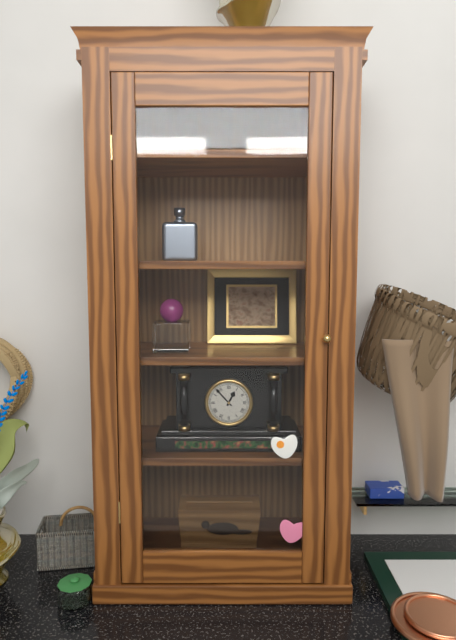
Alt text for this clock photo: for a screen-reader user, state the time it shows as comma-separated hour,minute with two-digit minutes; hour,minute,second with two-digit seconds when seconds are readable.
12,53
